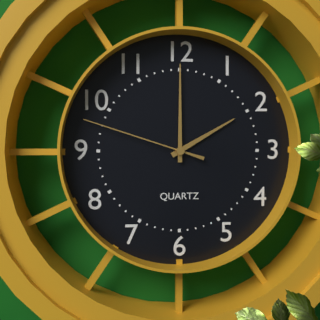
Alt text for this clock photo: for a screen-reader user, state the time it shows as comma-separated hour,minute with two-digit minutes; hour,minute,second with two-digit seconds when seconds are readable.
2,00,48
